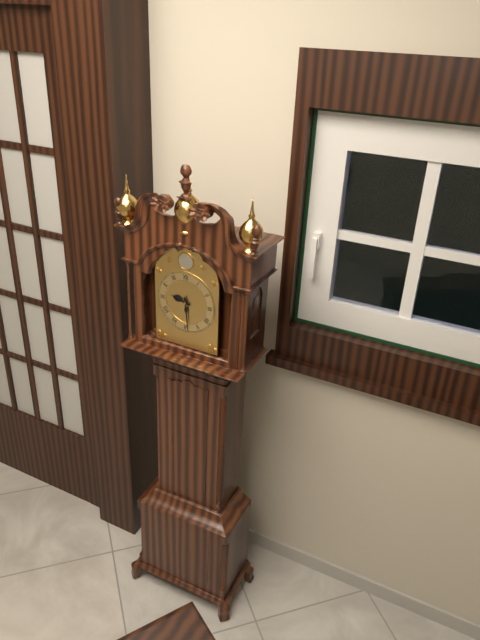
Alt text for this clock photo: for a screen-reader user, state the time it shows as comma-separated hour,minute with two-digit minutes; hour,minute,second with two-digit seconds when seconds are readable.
9,29
